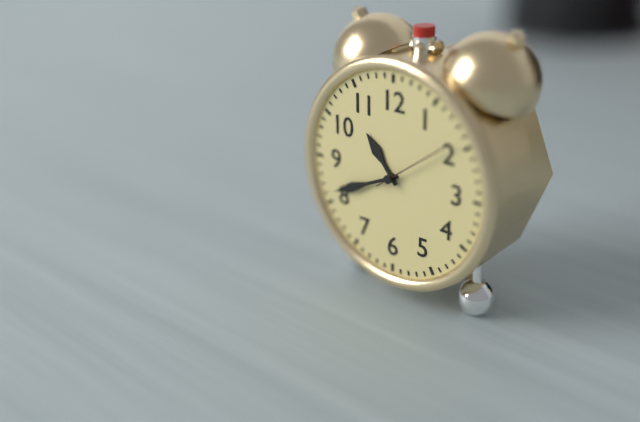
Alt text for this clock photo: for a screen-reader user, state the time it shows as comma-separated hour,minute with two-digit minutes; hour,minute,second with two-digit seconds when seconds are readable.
10,41,09
